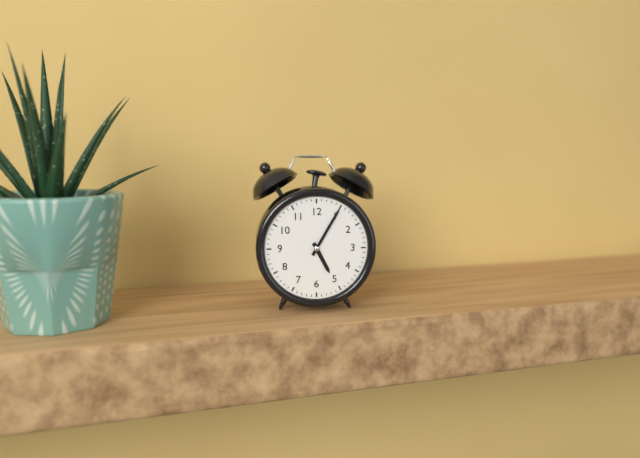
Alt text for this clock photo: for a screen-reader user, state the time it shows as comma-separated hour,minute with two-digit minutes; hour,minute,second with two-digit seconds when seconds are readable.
5,05
